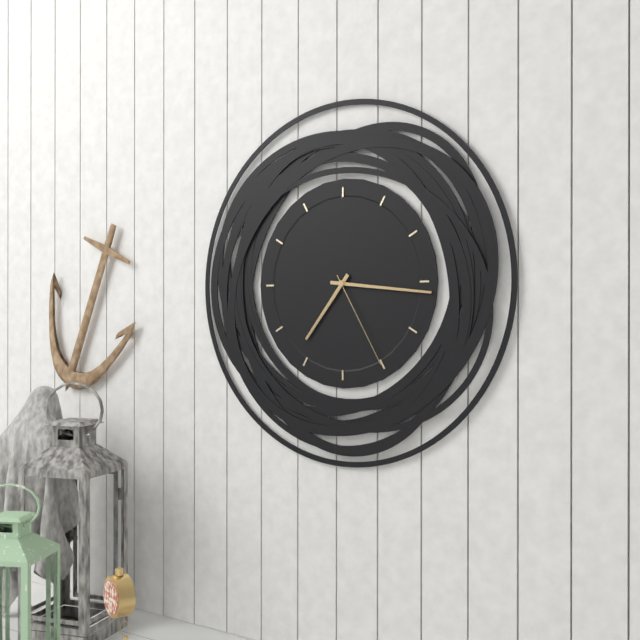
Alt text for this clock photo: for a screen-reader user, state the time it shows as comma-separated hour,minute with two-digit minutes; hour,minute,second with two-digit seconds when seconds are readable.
7,16,25
